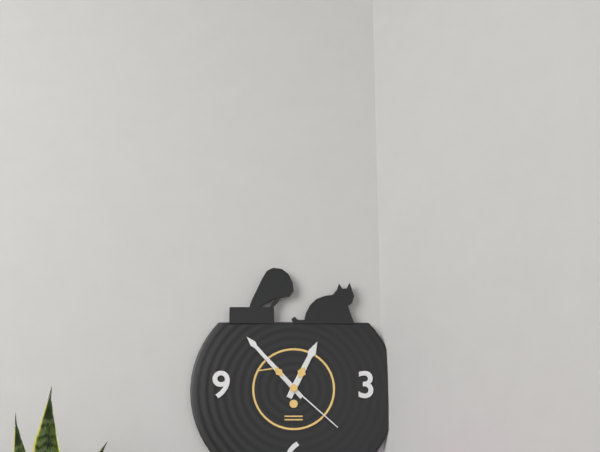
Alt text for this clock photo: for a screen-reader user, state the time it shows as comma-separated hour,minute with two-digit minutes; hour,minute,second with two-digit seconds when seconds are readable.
12,53,22
